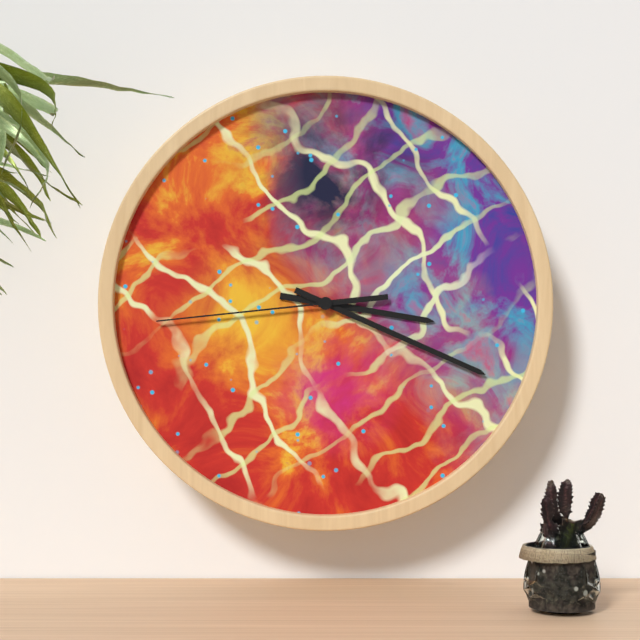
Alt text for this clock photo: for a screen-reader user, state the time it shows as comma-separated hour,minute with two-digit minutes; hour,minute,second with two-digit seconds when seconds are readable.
3,19,44
